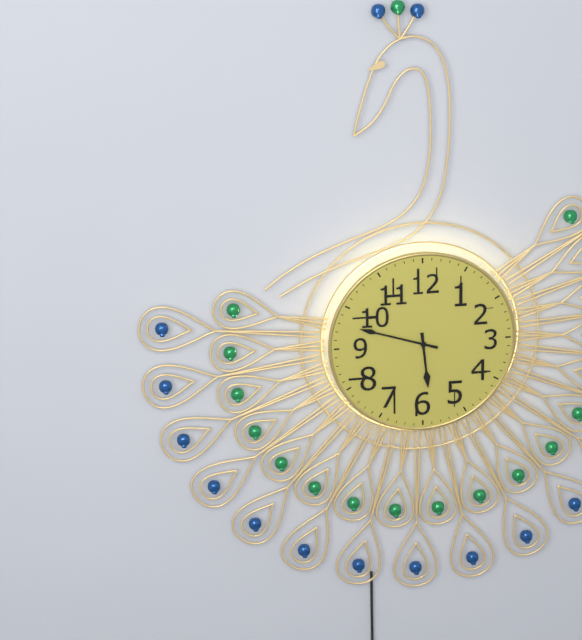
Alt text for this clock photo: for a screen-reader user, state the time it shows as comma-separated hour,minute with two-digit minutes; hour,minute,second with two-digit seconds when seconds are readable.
5,48
